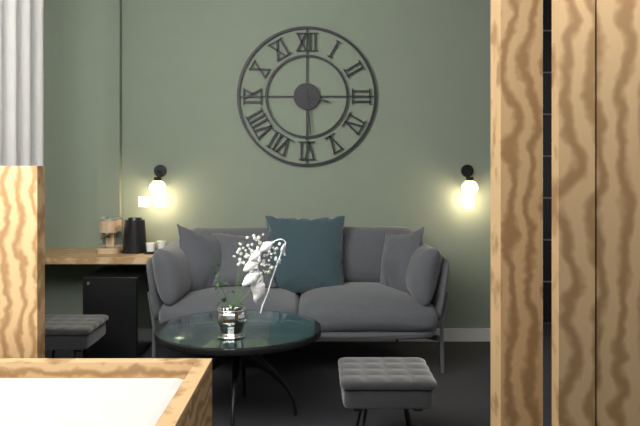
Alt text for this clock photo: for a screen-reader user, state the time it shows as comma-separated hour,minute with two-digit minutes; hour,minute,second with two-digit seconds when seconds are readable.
3,29
